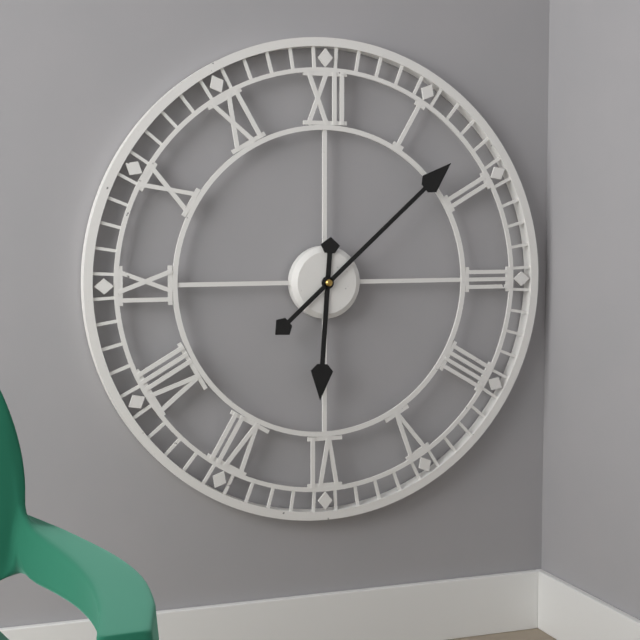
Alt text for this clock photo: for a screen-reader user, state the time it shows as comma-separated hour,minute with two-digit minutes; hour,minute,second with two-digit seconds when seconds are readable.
6,08
